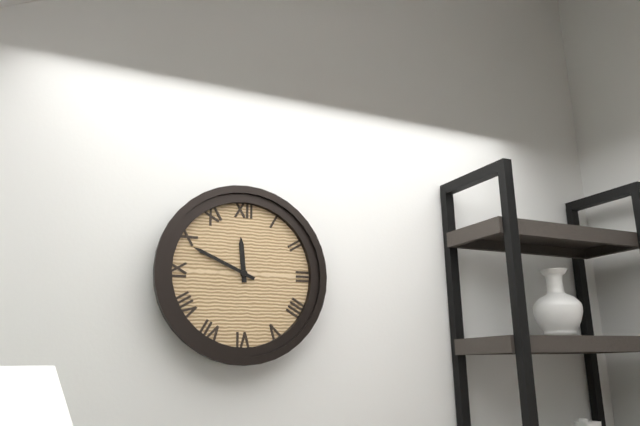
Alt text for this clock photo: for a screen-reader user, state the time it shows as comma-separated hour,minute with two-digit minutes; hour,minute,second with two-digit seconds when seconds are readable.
11,49
